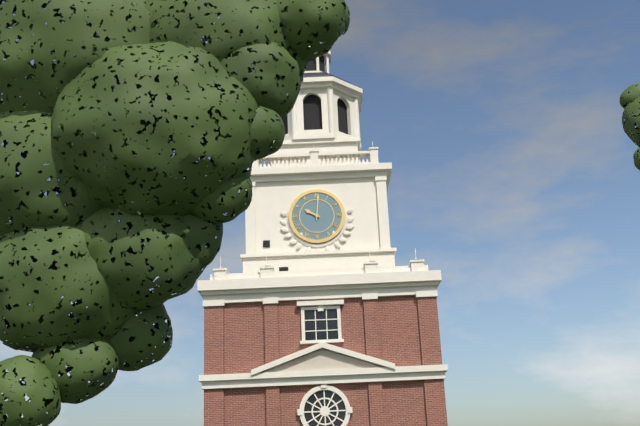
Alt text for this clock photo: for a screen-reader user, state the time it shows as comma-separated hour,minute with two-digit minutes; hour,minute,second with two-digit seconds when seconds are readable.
10,01
